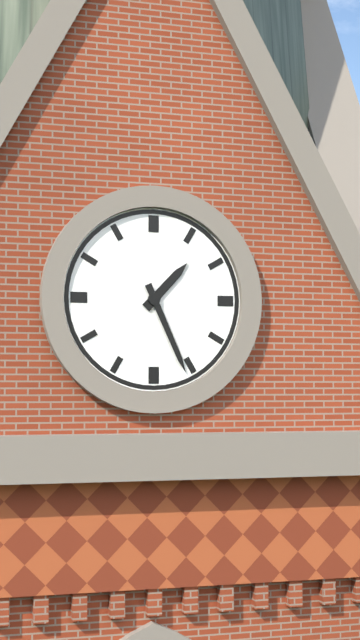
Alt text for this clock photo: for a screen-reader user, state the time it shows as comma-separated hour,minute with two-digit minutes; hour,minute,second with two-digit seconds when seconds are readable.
1,26
